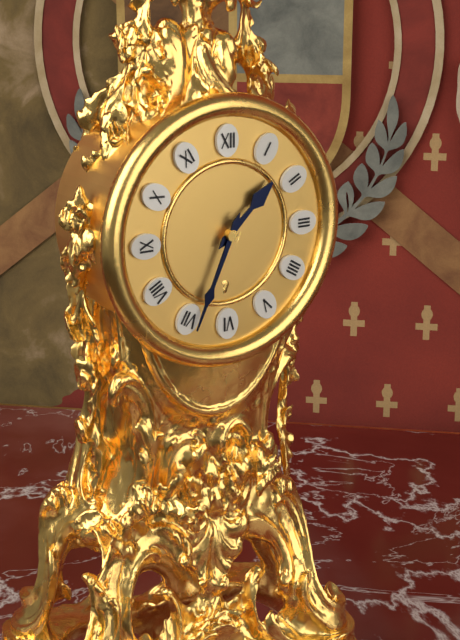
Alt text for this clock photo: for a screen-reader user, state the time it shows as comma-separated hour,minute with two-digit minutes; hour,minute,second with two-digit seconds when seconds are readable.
1,34
